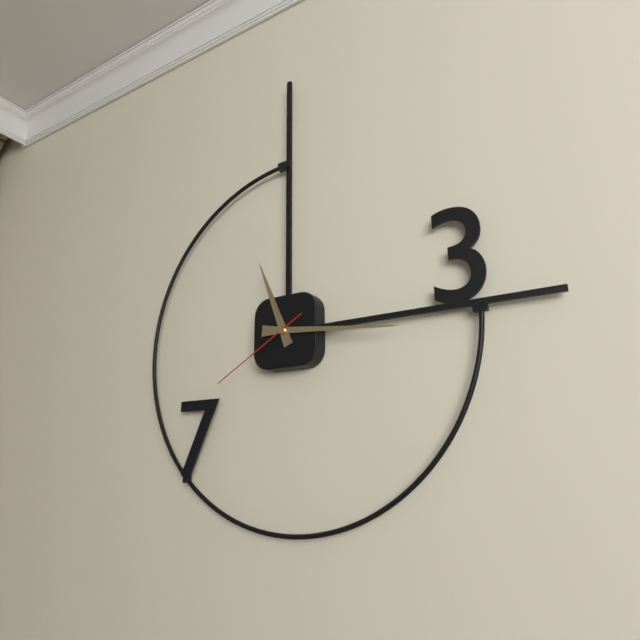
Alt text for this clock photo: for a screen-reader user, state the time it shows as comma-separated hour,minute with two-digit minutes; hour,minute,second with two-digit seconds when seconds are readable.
11,16,40
